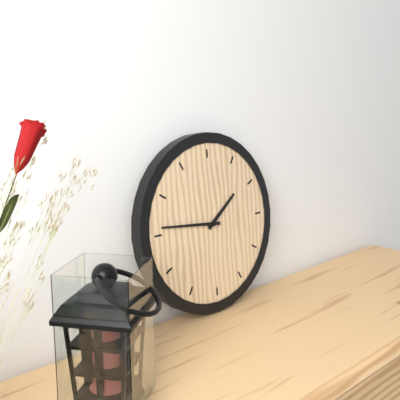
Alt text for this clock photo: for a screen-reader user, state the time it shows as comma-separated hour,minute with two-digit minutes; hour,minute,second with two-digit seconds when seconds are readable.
1,46
